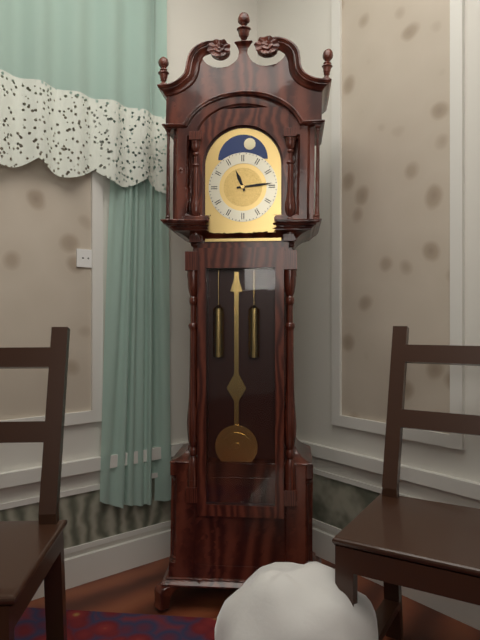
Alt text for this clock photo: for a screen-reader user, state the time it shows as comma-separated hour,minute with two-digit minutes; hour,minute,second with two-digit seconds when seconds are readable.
11,14
